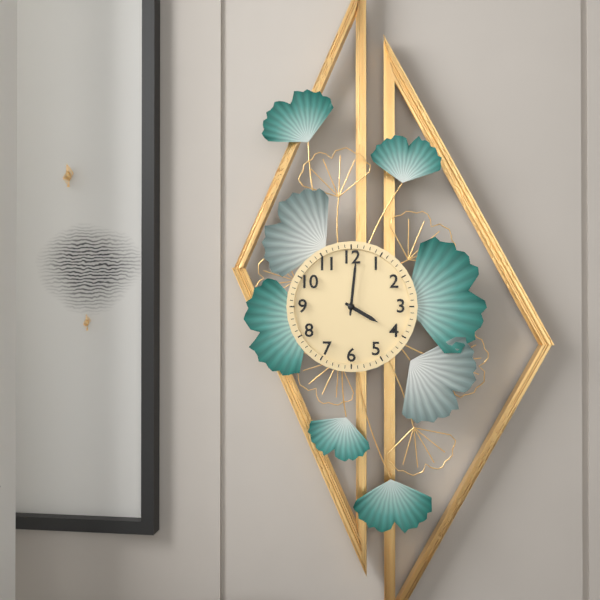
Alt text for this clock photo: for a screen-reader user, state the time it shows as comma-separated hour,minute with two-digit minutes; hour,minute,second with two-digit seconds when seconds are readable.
4,01
